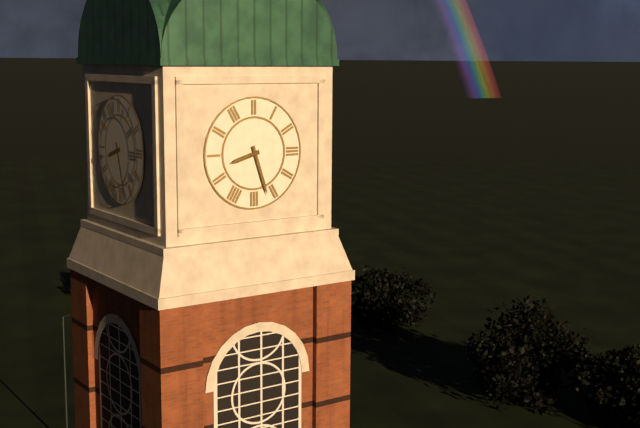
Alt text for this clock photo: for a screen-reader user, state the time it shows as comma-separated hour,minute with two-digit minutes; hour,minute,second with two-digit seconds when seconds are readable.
8,27
